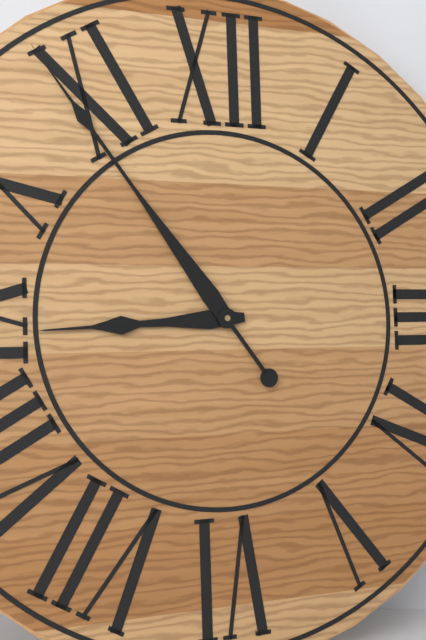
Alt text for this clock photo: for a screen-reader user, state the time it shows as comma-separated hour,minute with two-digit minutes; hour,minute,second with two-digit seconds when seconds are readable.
8,54
